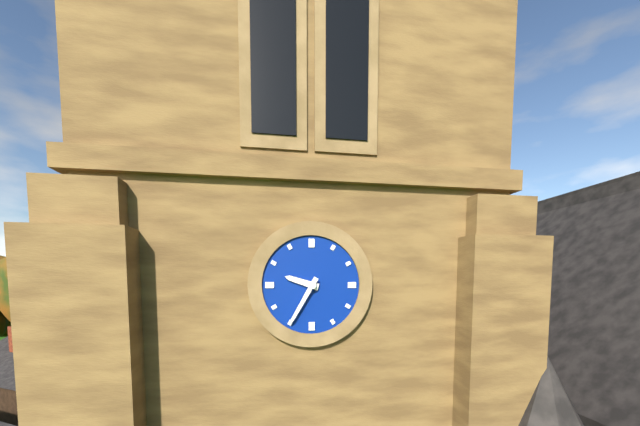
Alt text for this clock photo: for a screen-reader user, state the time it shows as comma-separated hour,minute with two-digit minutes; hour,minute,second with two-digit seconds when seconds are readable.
9,35
